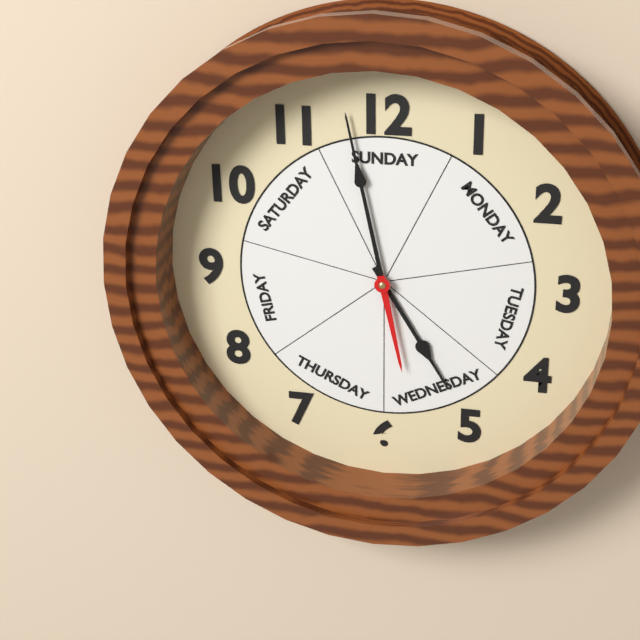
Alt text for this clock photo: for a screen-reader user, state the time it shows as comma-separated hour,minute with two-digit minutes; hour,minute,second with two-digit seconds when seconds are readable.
4,58,28
